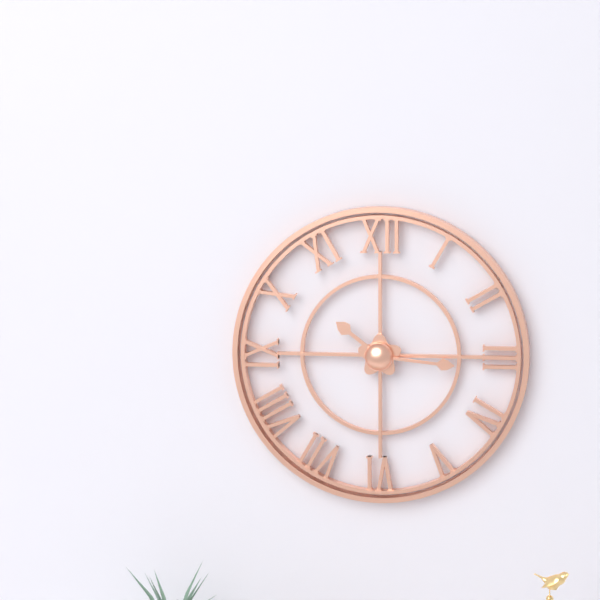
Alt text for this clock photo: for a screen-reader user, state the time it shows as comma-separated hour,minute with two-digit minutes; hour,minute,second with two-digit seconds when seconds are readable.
10,16
